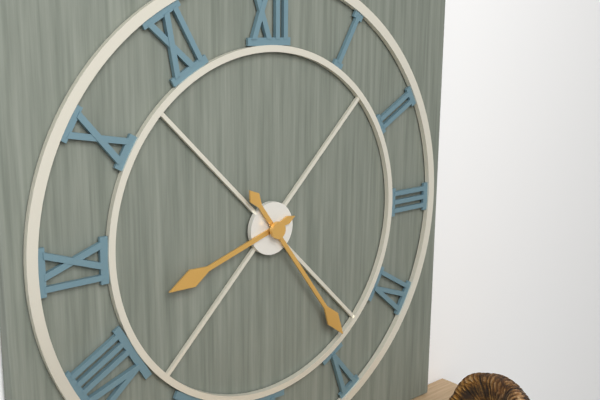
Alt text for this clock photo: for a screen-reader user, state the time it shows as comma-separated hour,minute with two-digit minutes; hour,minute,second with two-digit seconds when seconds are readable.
8,24
